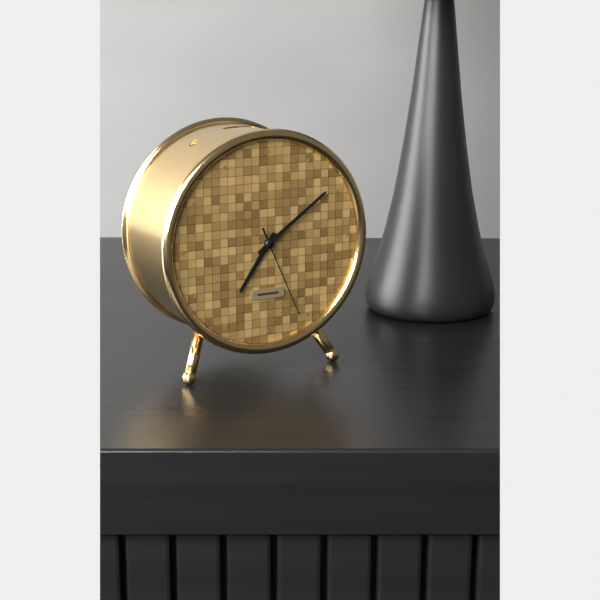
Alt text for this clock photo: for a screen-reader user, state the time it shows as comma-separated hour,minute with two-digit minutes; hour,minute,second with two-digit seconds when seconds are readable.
7,09,26
